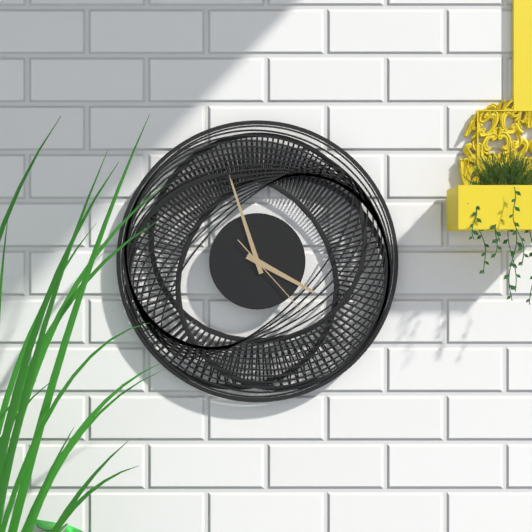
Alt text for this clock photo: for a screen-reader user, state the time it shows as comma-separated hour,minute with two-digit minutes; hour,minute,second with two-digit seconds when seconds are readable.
3,57,23
